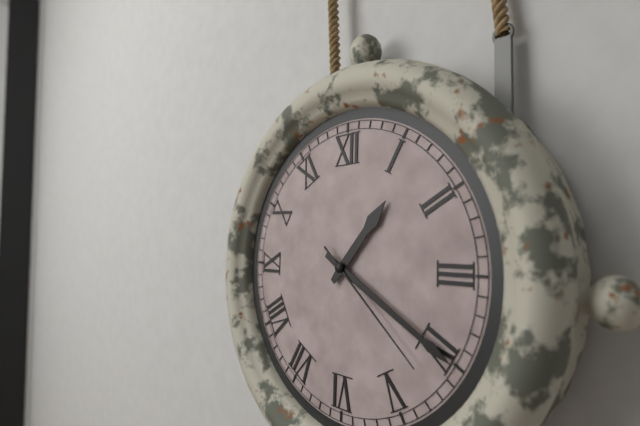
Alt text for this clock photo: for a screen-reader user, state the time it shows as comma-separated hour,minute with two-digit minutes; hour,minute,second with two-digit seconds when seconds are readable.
1,20,22
